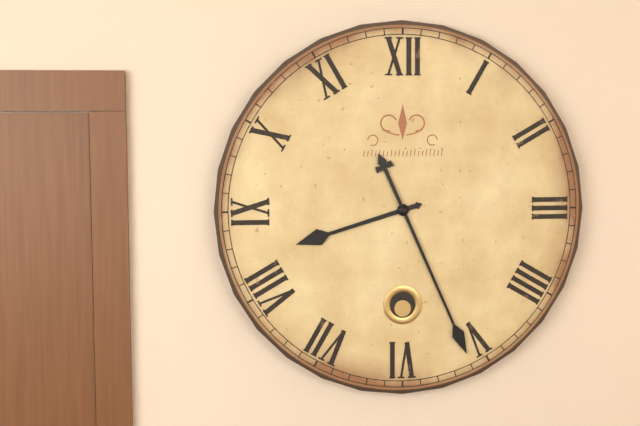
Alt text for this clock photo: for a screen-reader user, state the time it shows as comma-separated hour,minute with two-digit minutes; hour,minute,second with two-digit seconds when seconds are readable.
8,26
